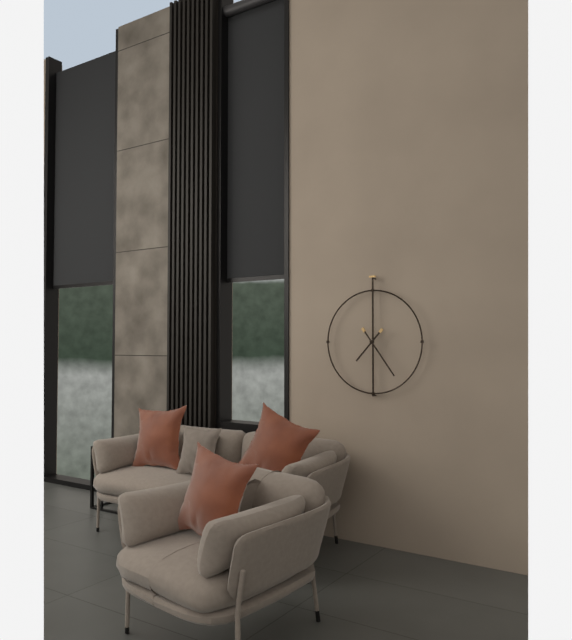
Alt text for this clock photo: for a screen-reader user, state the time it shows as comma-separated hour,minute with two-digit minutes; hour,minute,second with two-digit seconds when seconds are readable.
7,24
